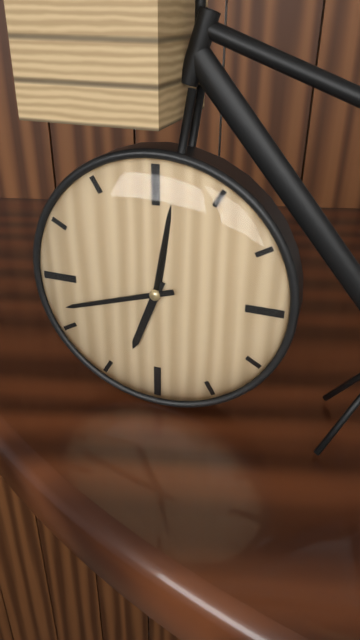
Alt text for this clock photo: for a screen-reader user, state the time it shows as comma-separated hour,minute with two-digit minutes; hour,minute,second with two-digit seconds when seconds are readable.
6,42
